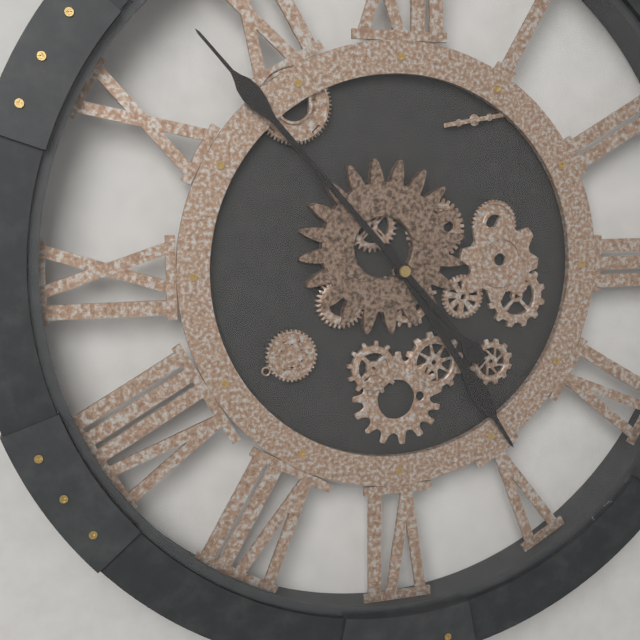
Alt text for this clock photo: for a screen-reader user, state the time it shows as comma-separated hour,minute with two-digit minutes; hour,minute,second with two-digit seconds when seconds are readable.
4,53
